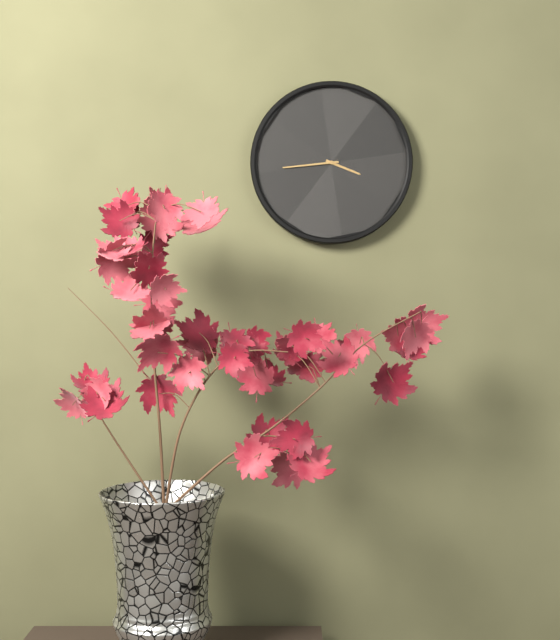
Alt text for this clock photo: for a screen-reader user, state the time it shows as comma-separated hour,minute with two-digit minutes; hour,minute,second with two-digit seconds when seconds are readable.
3,44
